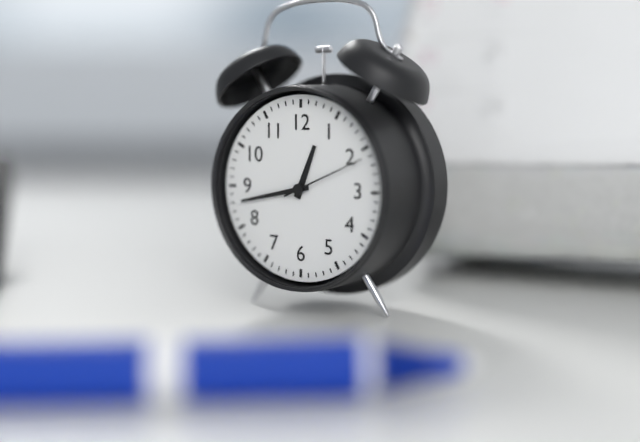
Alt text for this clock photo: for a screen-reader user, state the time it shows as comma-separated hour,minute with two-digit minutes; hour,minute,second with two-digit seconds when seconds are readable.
12,43,11
